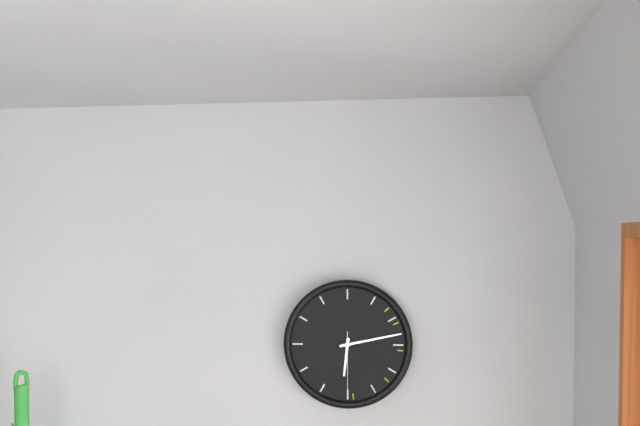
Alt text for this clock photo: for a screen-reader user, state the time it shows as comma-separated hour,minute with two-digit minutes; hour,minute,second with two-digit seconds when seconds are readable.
6,13,30
